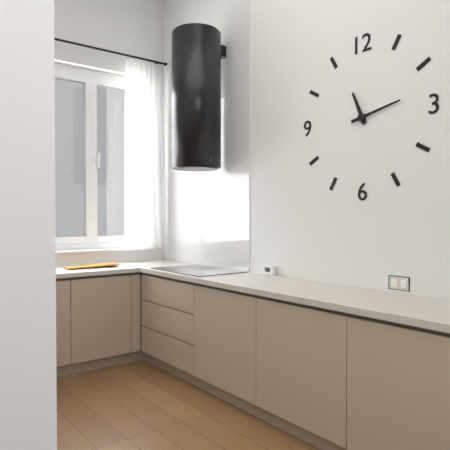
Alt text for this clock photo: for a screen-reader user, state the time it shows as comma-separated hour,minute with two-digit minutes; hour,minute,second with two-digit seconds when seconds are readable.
11,13
